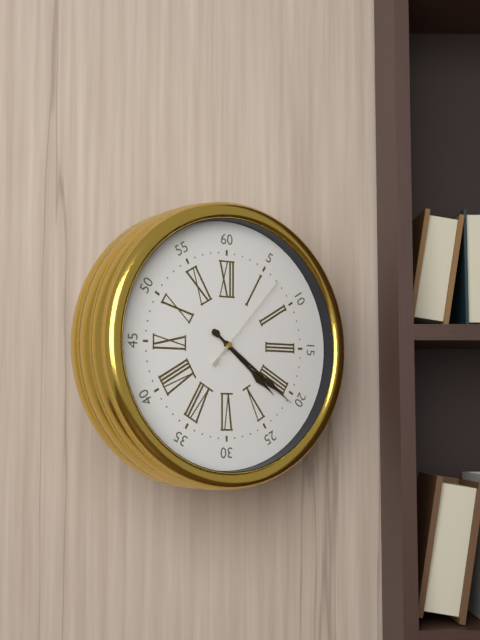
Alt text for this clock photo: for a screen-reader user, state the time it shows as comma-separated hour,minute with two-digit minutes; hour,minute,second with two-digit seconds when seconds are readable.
4,21,07
